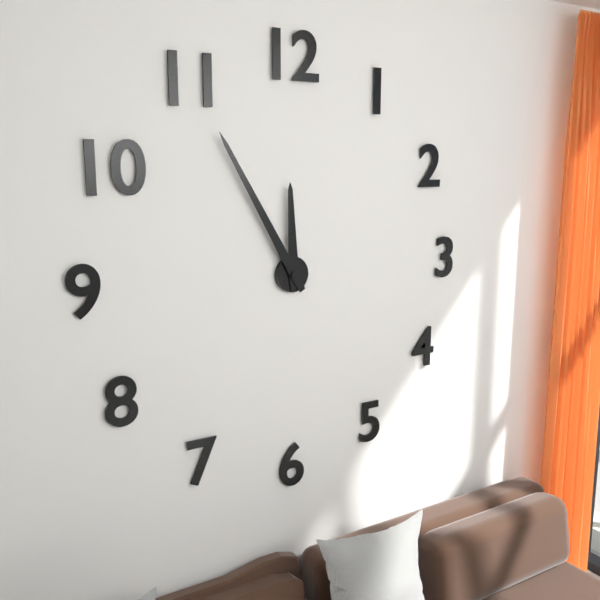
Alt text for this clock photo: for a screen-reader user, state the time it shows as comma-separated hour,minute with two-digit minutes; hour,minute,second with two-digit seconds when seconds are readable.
11,55
